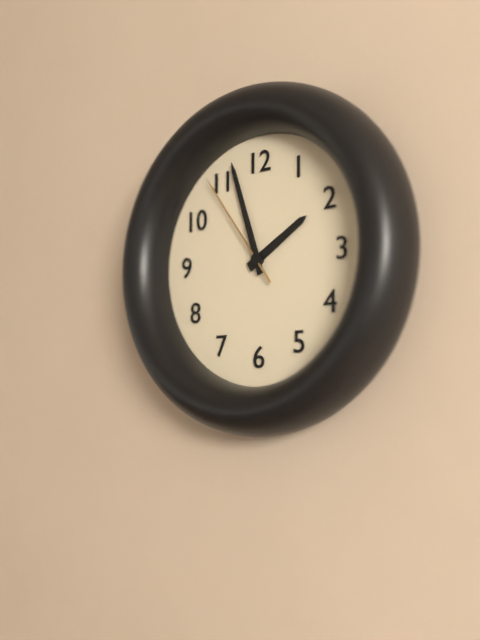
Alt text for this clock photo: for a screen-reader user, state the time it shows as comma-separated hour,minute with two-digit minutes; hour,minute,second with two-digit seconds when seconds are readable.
1,57,54
